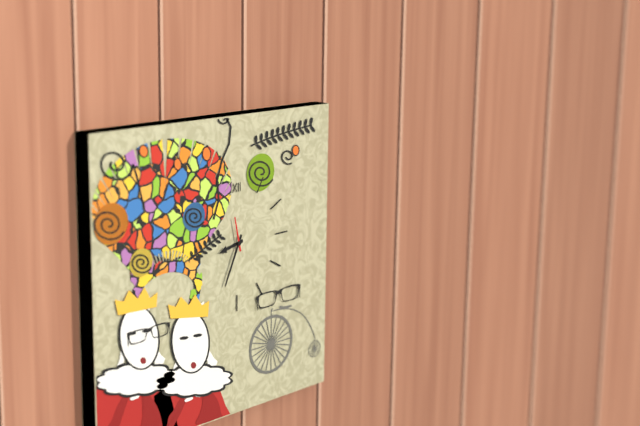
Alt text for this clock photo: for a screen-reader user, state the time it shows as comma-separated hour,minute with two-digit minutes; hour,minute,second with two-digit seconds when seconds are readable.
8,34
